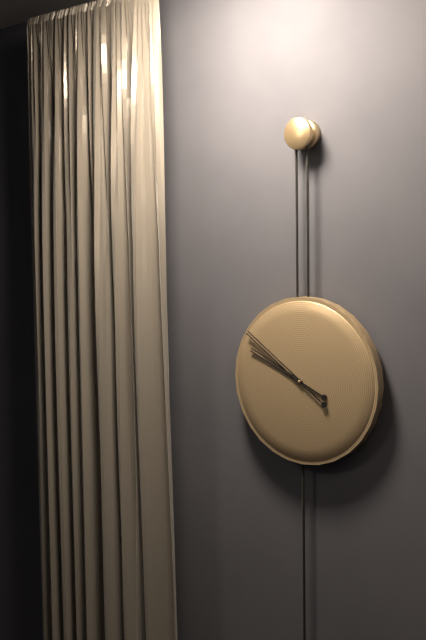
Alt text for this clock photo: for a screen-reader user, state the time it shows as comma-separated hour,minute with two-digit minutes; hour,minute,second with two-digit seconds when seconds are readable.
9,51
